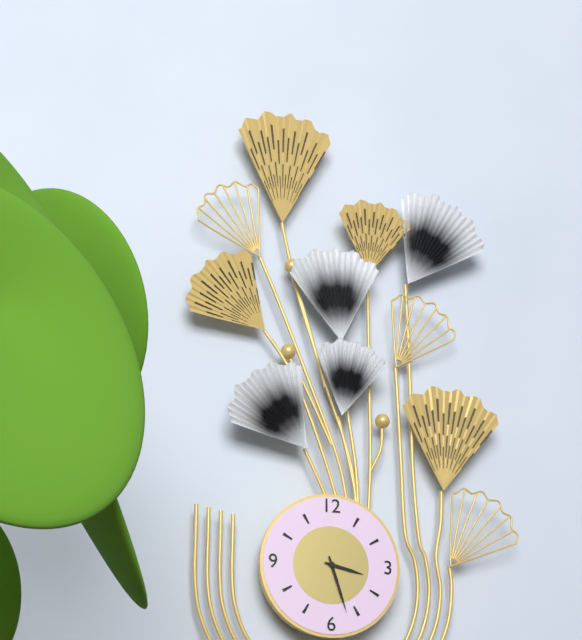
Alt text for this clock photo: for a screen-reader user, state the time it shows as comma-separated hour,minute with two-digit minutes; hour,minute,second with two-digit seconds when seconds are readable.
3,27
